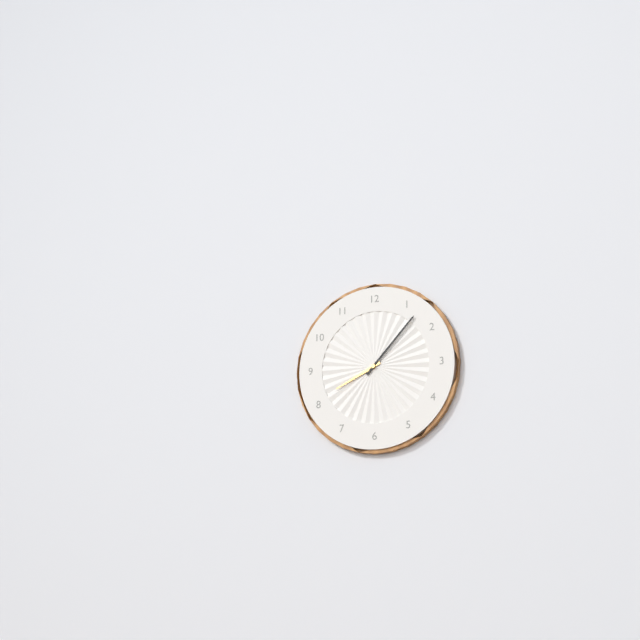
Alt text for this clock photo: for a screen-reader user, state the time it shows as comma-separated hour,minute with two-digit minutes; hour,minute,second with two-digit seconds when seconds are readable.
8,07
